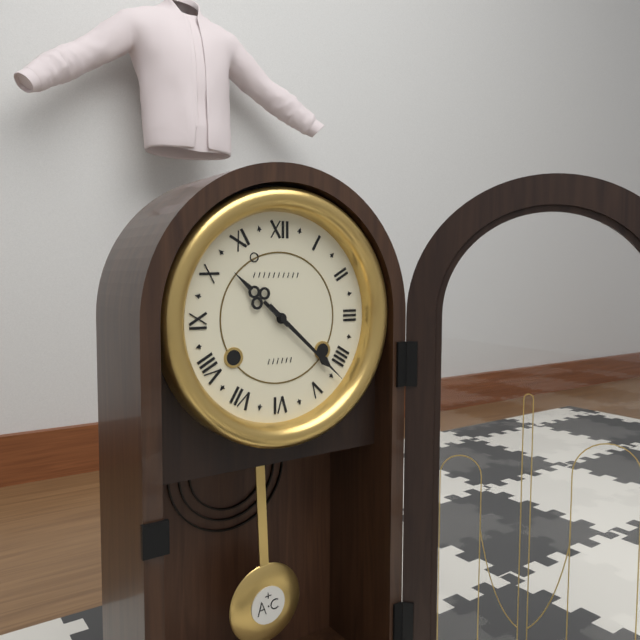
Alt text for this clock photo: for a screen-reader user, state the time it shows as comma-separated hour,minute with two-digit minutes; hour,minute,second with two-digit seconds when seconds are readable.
10,22
